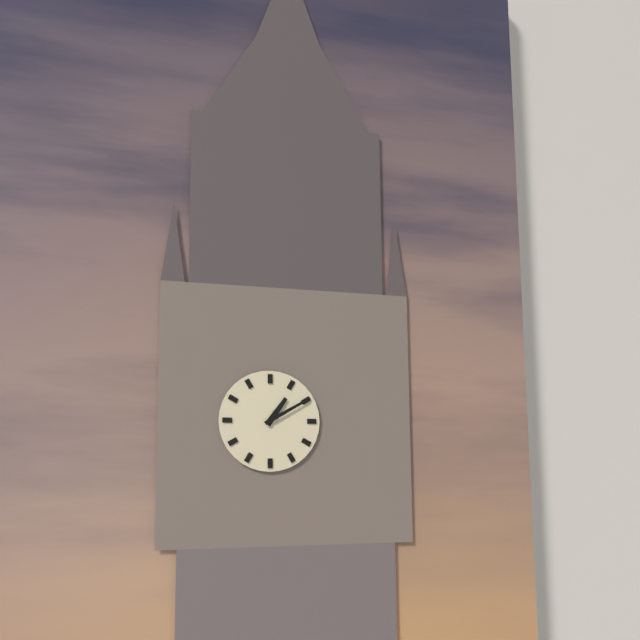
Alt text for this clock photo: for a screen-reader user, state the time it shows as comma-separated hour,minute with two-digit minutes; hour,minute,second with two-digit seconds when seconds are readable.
1,10
